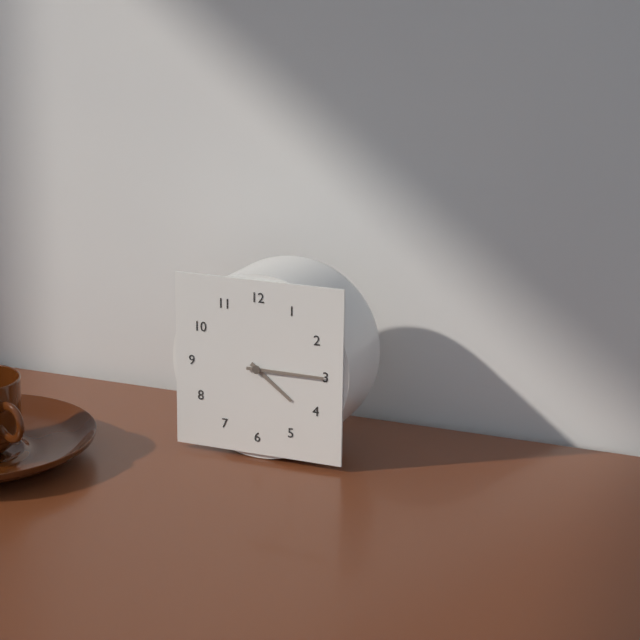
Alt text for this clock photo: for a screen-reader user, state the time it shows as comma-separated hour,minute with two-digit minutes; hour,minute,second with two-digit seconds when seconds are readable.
4,15
